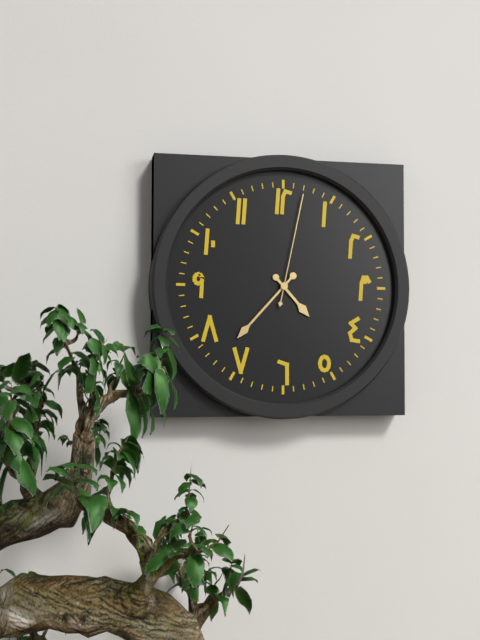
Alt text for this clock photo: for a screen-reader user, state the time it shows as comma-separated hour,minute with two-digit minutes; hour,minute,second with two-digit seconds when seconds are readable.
4,37,02
